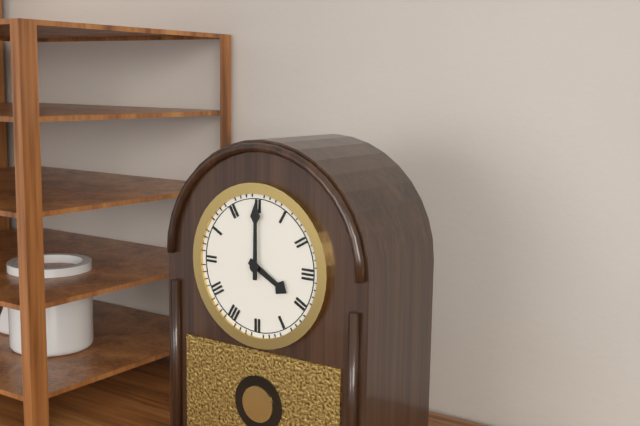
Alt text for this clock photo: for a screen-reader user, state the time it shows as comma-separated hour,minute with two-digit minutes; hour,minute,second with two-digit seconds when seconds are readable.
4,00
